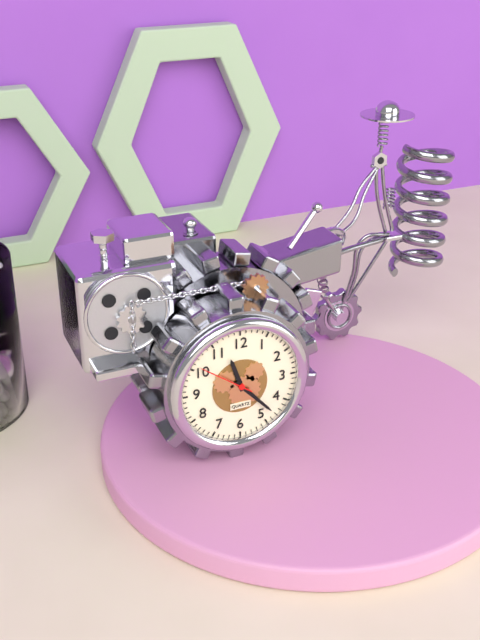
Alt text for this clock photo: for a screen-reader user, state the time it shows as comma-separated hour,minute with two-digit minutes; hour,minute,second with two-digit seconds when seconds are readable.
11,23,51
